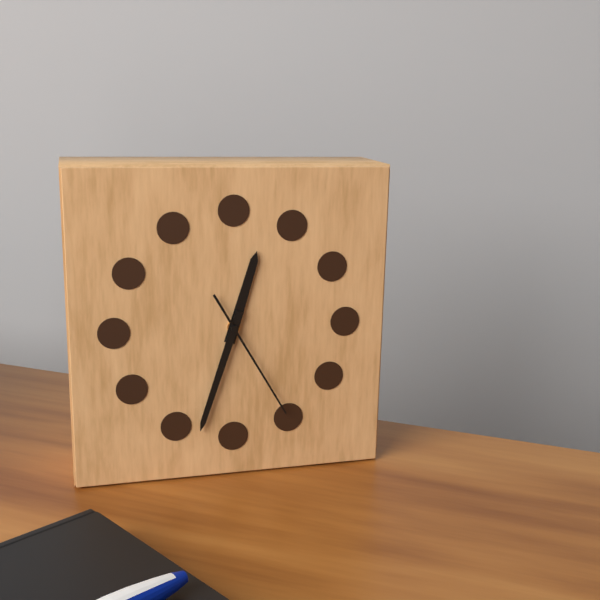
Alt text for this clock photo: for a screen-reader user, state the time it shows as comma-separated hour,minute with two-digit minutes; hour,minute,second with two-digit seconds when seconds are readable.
12,33,25
